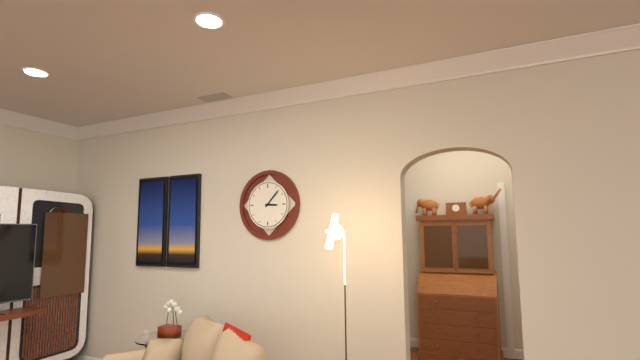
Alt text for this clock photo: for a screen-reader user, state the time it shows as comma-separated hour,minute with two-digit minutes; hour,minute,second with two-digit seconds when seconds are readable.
3,07
